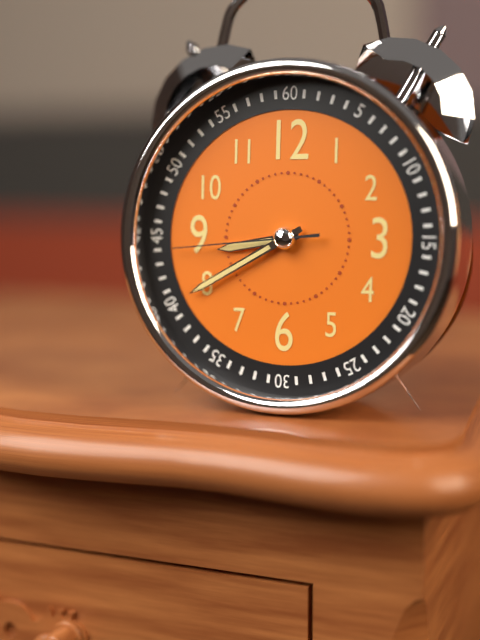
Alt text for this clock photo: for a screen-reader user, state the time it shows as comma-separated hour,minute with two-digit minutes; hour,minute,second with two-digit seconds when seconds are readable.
8,40,44
